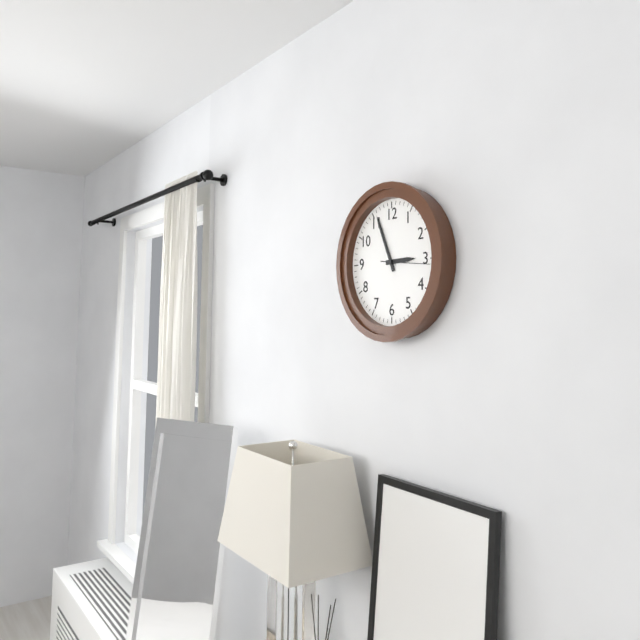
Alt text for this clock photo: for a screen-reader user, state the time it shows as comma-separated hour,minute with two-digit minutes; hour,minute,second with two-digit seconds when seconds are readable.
2,56
